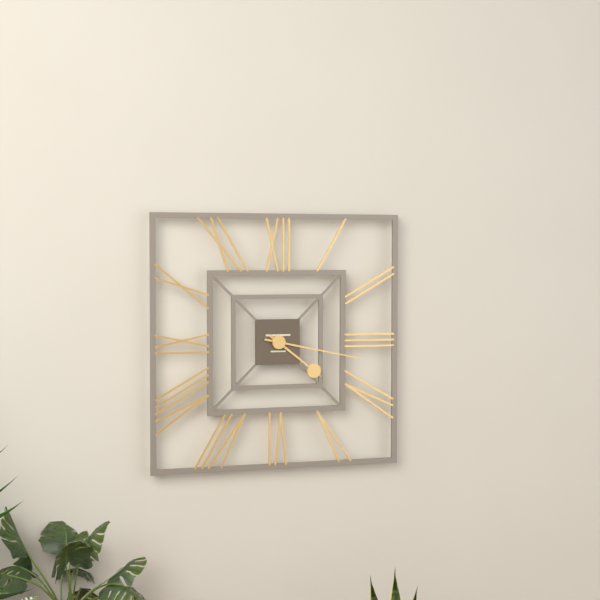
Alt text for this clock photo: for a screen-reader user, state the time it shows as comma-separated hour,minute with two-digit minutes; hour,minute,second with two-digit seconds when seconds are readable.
4,17
